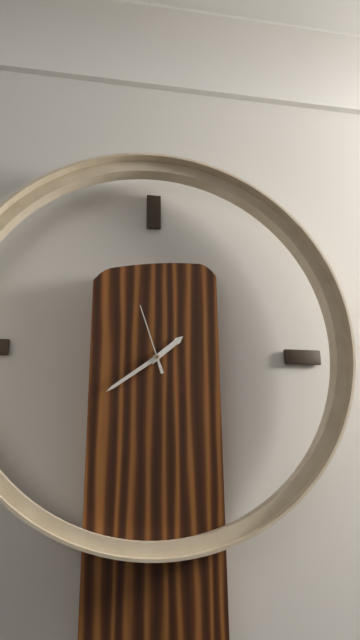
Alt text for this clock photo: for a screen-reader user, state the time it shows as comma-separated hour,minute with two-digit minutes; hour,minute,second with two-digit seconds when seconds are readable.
1,39,57
